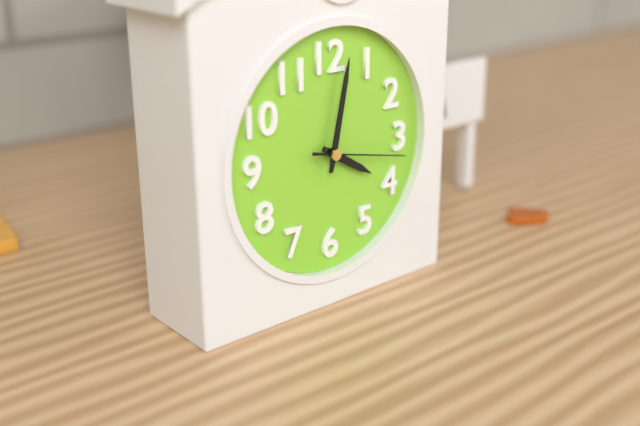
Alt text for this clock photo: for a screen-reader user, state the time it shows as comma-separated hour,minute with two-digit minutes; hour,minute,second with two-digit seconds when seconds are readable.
4,02,17
